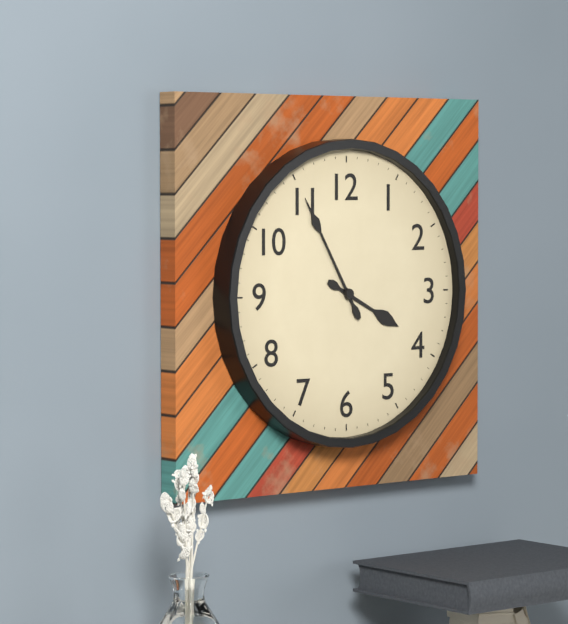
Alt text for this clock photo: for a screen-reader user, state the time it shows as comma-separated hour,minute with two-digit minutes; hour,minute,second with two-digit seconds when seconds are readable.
3,55
